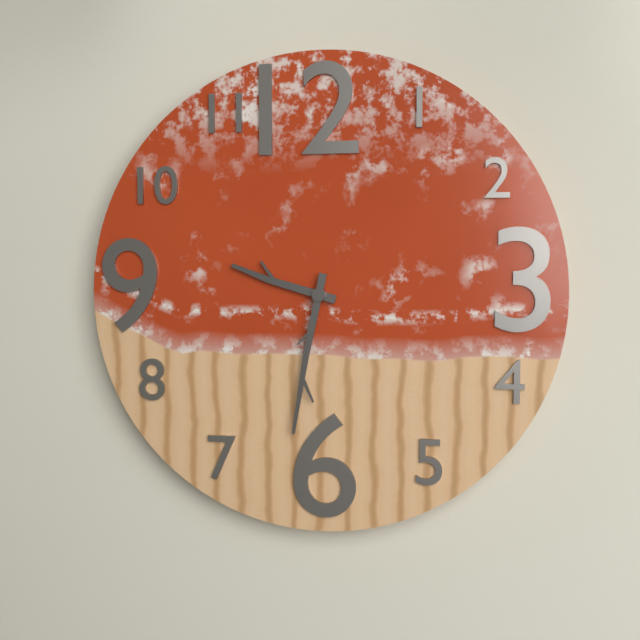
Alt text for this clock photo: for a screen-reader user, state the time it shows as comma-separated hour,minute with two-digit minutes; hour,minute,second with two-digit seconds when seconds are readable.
9,32
